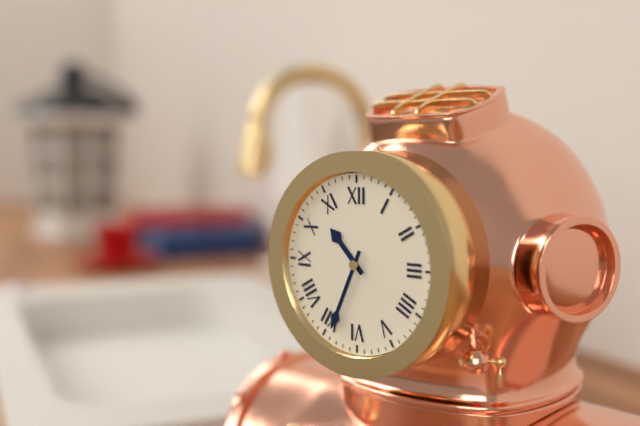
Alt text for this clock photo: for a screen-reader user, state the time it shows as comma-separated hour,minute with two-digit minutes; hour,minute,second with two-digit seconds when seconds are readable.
10,34
